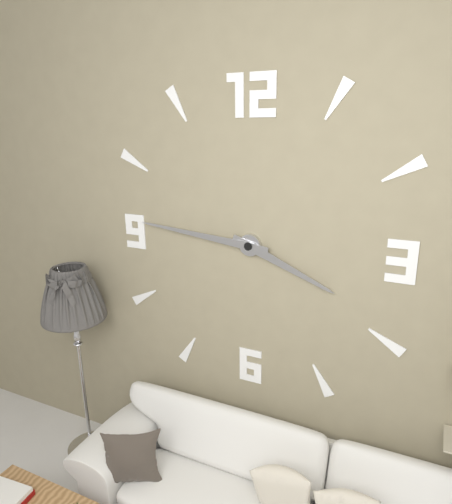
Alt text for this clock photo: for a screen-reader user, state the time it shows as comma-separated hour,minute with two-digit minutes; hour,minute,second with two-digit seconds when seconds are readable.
3,46
